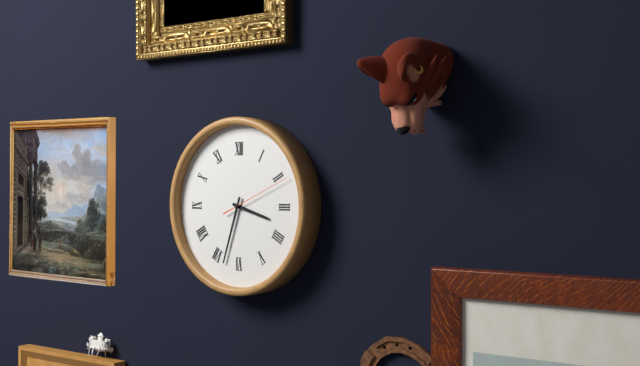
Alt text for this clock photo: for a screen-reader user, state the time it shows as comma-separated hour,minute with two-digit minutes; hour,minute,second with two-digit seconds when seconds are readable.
3,33,11
